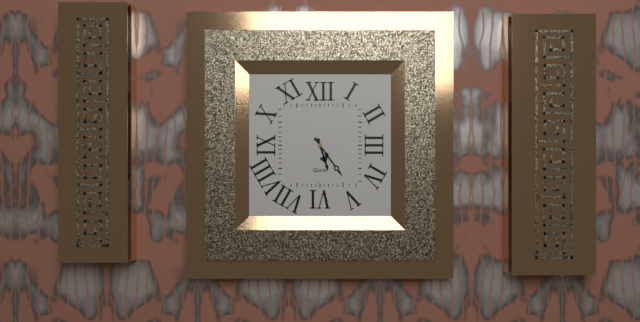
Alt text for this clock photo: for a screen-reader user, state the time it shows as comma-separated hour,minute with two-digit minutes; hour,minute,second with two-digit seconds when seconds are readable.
5,24
